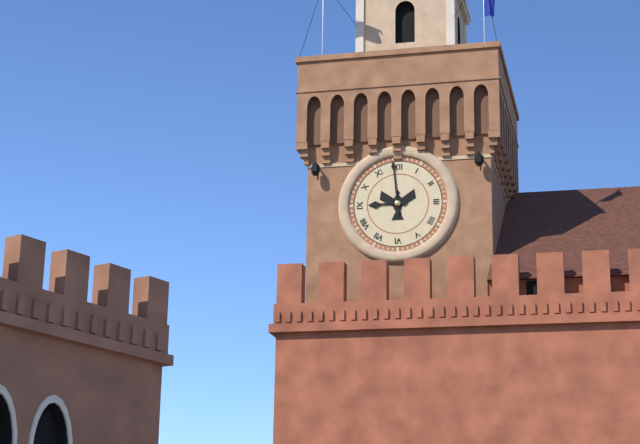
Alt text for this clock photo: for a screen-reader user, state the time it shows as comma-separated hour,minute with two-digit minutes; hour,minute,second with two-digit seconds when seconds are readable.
8,59
